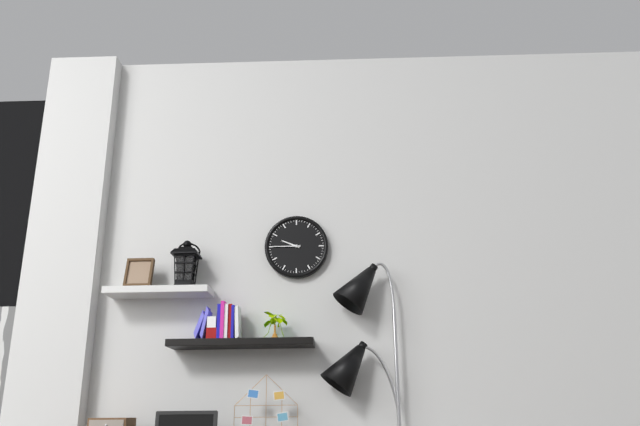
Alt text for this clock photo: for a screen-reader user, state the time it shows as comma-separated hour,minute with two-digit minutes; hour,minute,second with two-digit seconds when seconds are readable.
9,45
